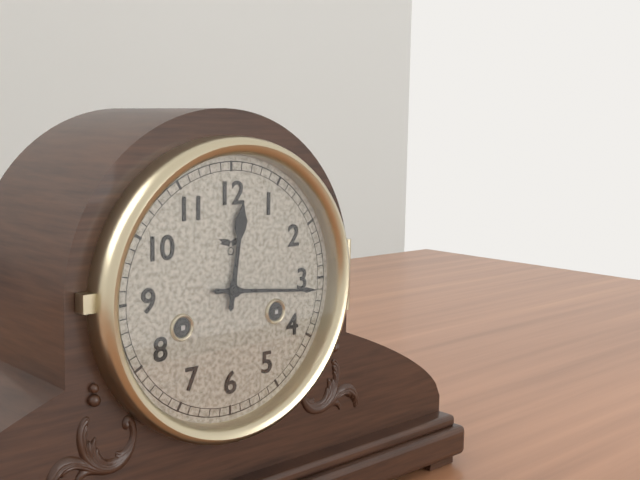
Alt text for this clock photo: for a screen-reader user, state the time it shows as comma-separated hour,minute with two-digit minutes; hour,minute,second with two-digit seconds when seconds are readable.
12,16
